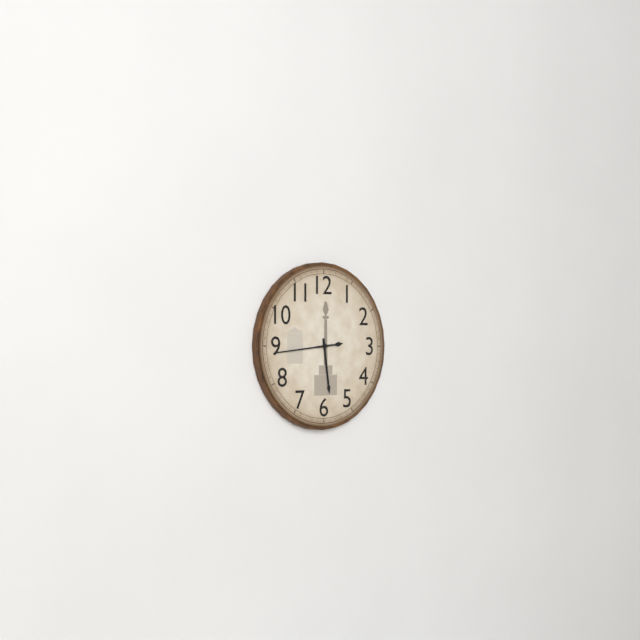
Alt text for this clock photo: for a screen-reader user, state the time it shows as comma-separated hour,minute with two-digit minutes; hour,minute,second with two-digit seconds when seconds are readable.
5,44
